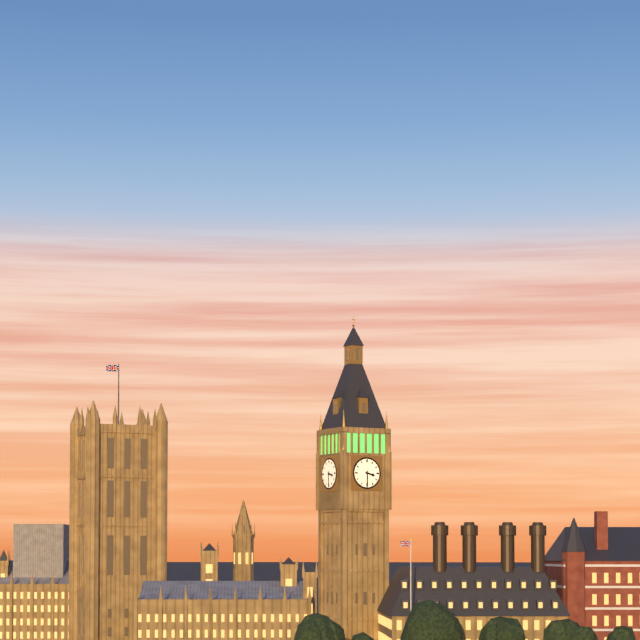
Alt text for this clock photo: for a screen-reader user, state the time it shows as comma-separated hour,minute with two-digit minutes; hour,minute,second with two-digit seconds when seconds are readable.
3,30
